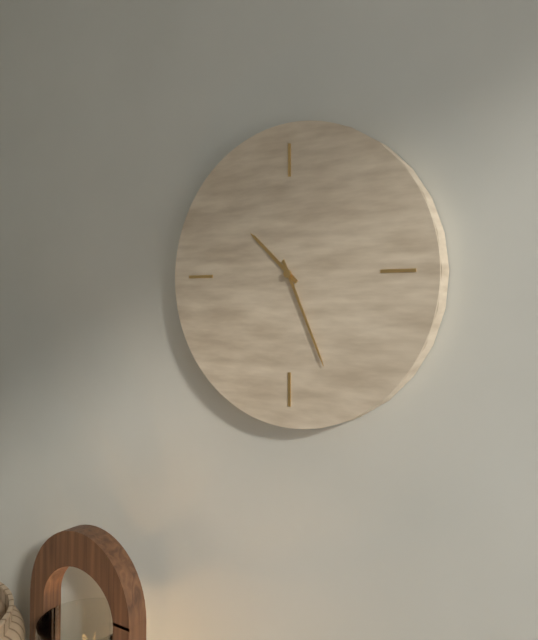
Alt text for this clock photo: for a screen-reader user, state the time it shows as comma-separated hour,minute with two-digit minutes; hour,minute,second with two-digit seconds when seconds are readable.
10,26
